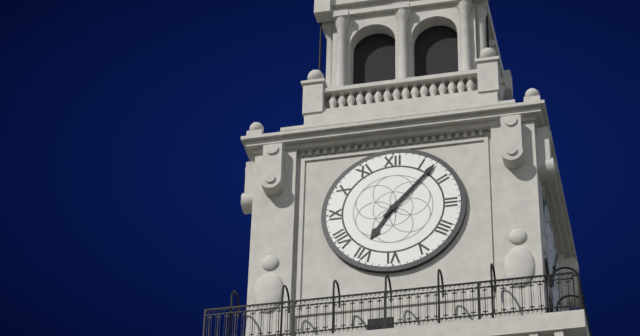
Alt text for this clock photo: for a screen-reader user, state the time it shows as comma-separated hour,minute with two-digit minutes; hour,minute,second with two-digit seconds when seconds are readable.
7,07
